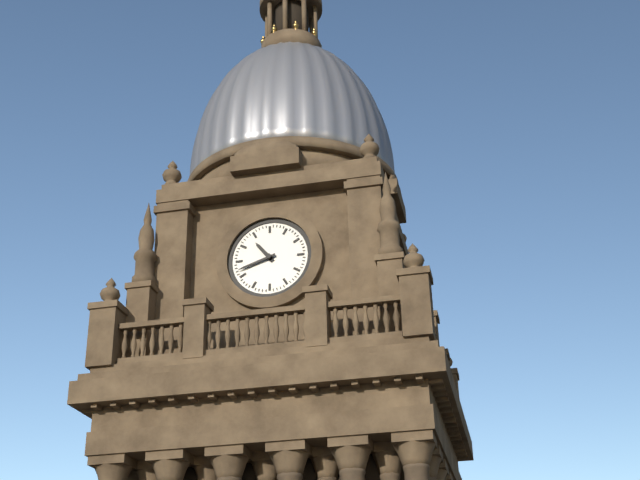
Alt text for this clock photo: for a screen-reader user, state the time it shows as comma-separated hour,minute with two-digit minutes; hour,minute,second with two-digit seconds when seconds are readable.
10,42
